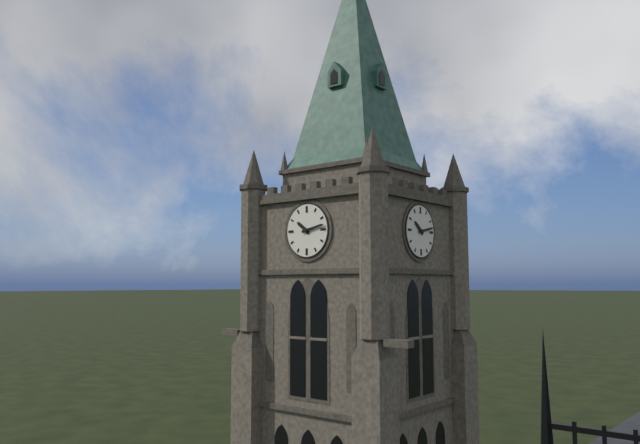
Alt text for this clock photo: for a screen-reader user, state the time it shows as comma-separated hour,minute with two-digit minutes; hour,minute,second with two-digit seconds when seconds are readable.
10,13
